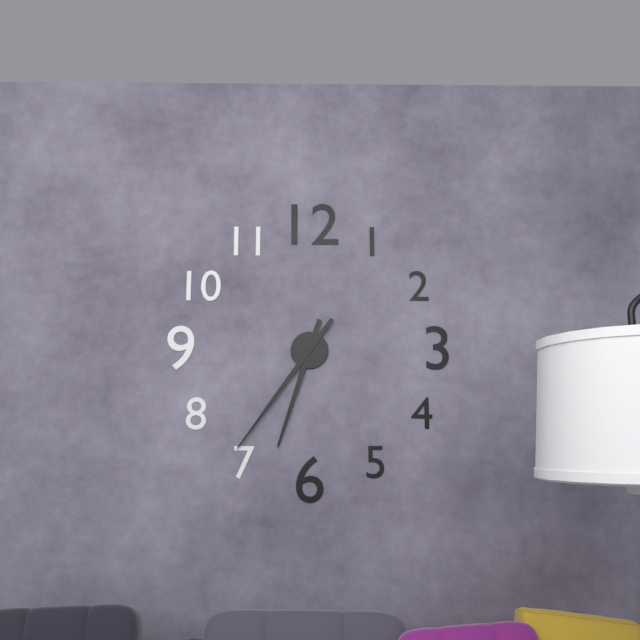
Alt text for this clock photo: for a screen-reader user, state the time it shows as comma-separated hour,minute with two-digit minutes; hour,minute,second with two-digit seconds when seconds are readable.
6,36
